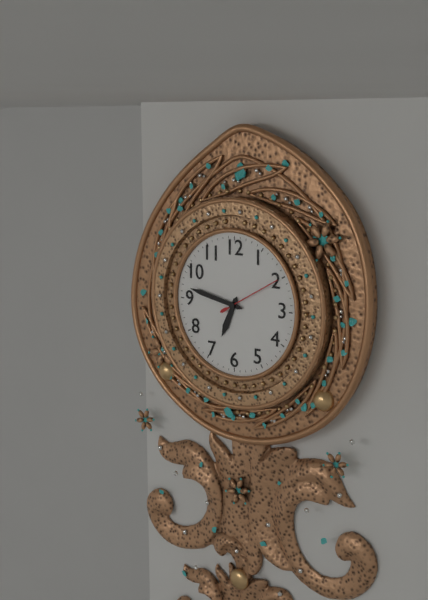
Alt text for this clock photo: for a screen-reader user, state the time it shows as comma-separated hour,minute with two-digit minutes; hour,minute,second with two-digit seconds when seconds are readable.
6,47,10
